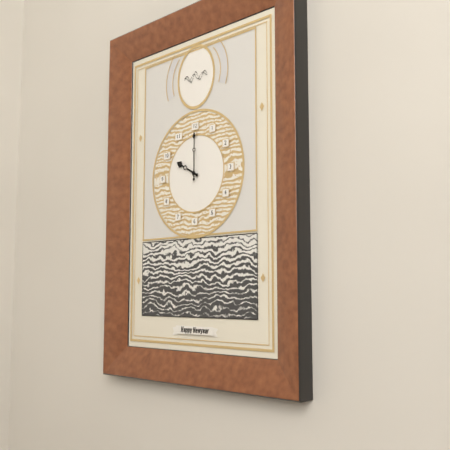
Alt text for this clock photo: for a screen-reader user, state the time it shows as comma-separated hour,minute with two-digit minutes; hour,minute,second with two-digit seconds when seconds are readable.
10,00
